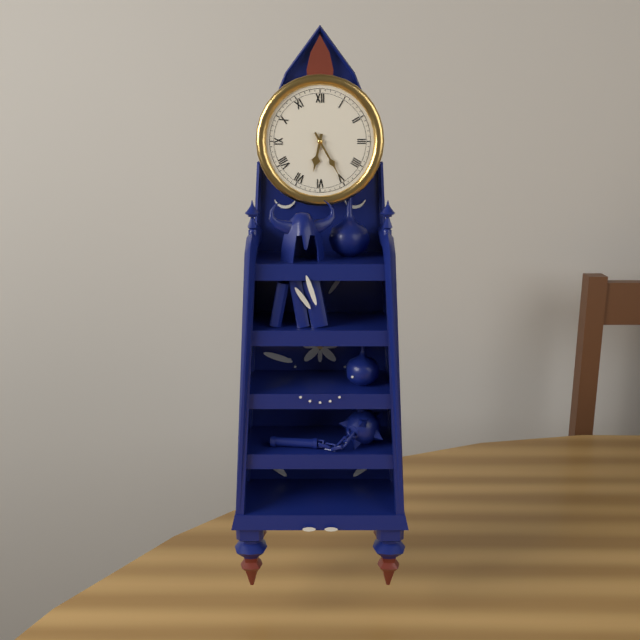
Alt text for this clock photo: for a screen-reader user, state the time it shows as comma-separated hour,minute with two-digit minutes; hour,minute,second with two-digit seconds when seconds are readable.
6,25
